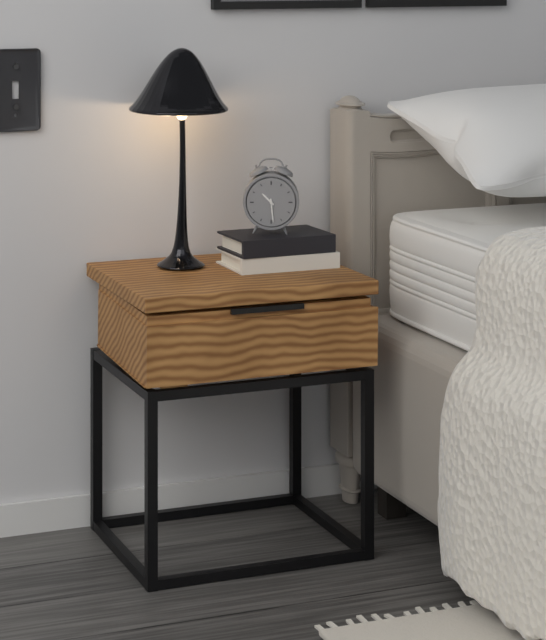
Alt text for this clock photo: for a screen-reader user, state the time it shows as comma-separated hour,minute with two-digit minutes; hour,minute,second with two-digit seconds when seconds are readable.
10,29
